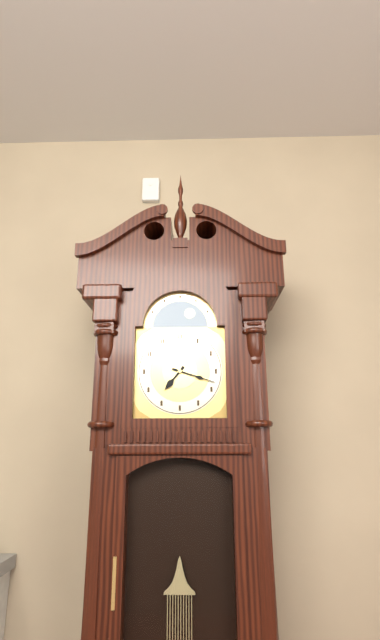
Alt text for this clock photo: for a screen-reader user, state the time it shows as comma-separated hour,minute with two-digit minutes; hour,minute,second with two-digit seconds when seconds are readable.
7,18
